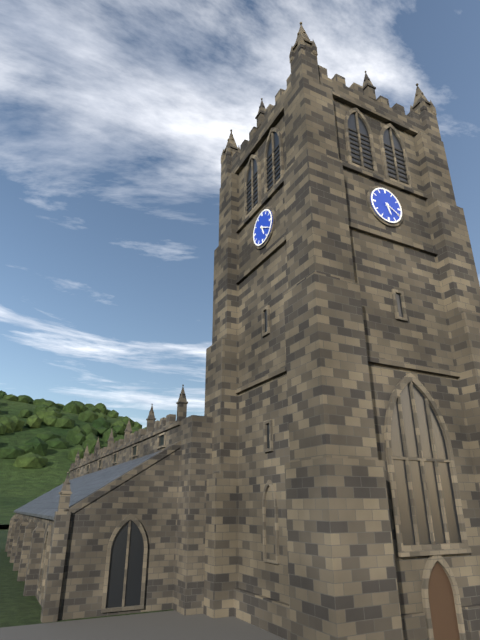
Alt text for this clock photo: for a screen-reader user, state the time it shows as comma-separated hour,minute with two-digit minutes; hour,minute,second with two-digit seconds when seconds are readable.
5,20
